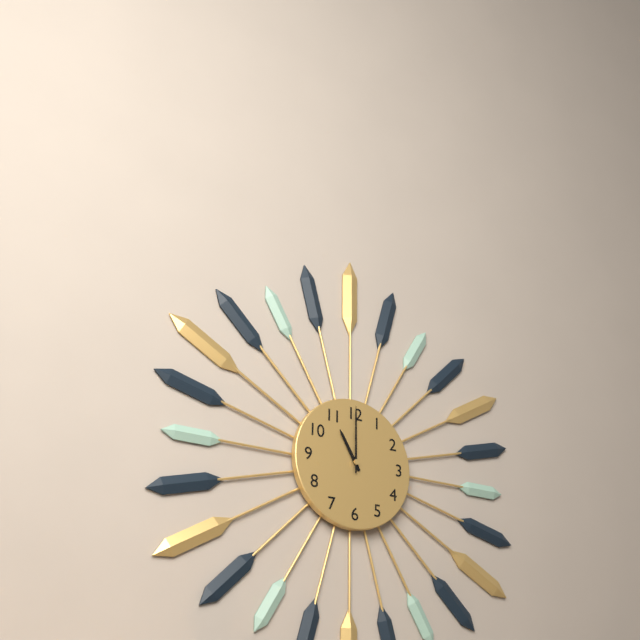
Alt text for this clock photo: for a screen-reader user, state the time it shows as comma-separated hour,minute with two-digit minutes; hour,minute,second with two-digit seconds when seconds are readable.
11,00
